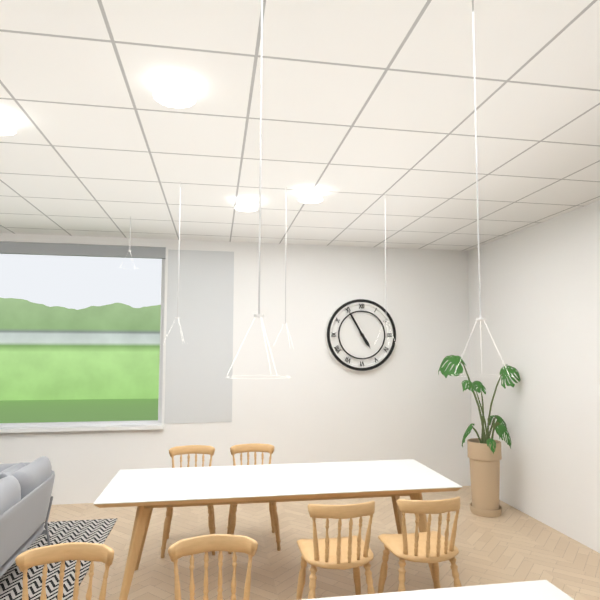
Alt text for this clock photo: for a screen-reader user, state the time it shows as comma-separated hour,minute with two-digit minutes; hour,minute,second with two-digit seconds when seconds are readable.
4,55
